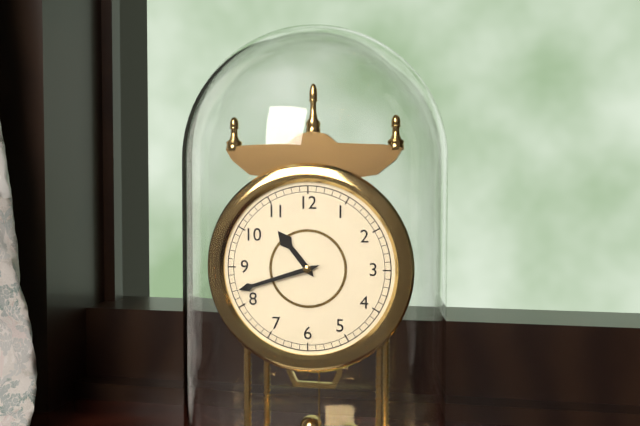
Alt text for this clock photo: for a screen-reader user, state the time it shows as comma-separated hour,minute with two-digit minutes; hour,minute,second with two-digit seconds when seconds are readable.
10,42
